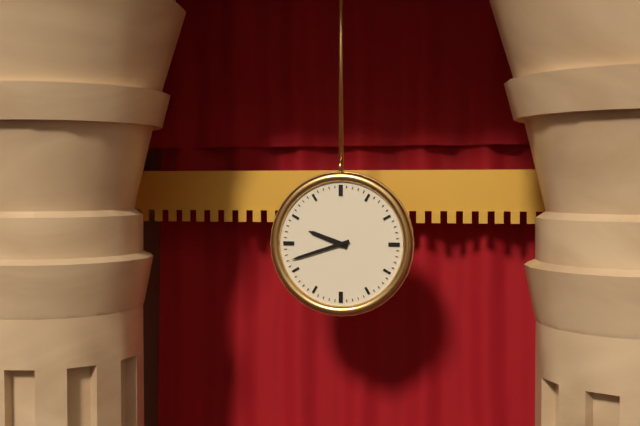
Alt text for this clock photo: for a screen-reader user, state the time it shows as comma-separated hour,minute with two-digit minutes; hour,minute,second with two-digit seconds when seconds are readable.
9,42
